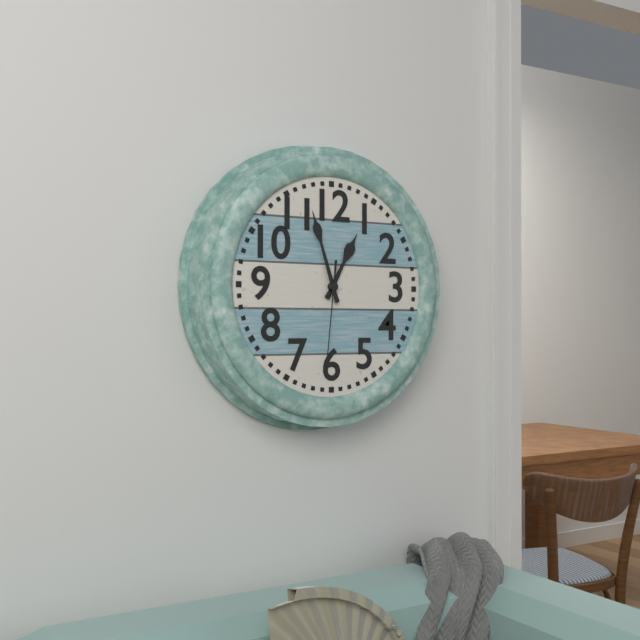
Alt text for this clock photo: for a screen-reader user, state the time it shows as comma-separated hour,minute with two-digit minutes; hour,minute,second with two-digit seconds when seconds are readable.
12,57,31
